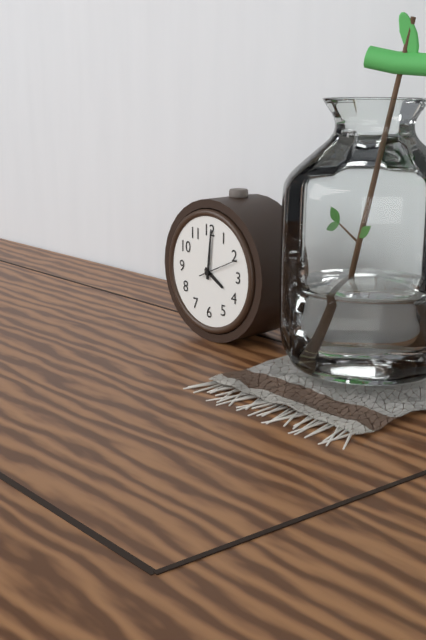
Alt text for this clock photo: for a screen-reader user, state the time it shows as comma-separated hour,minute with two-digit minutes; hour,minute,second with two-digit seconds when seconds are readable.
4,01
